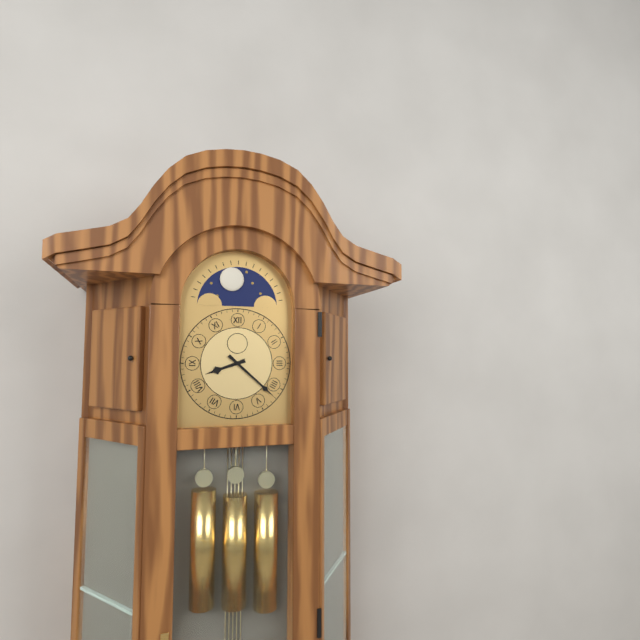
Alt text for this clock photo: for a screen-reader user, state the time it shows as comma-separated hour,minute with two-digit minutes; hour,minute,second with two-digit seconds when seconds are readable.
8,22
